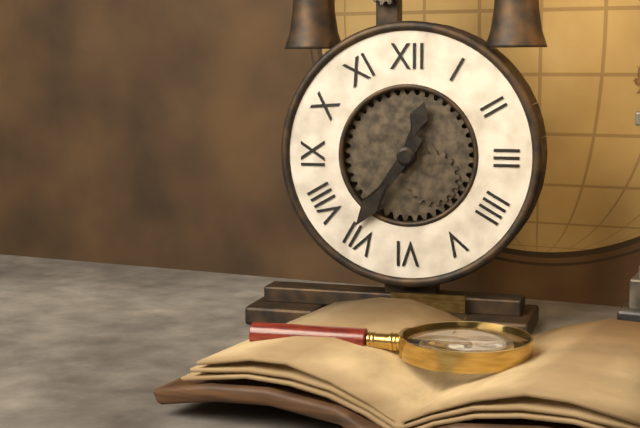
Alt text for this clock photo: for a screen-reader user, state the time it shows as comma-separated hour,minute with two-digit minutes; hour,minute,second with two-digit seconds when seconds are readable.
12,36
